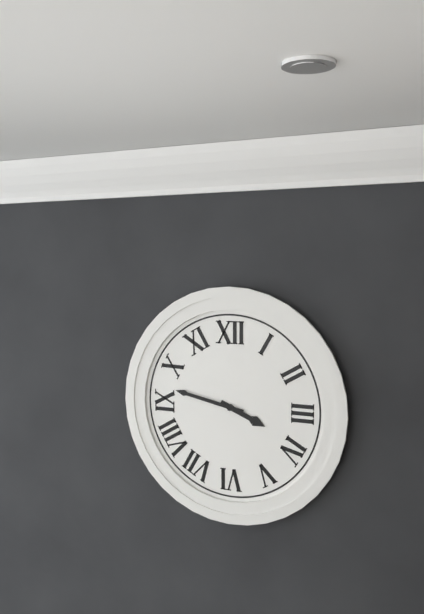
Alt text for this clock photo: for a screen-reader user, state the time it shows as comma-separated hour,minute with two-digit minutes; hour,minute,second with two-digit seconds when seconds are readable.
3,47
